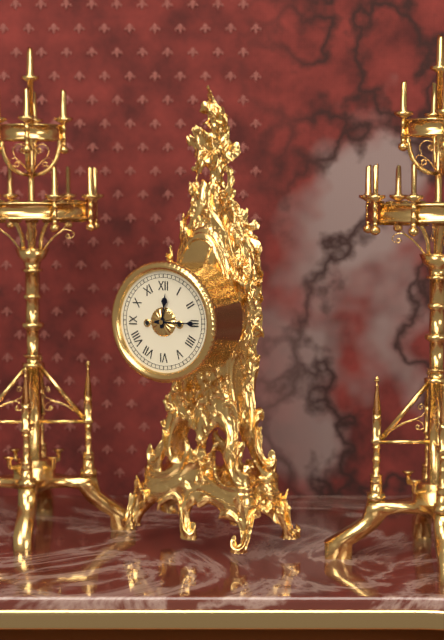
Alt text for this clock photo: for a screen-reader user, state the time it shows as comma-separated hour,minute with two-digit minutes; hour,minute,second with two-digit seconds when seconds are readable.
12,15
